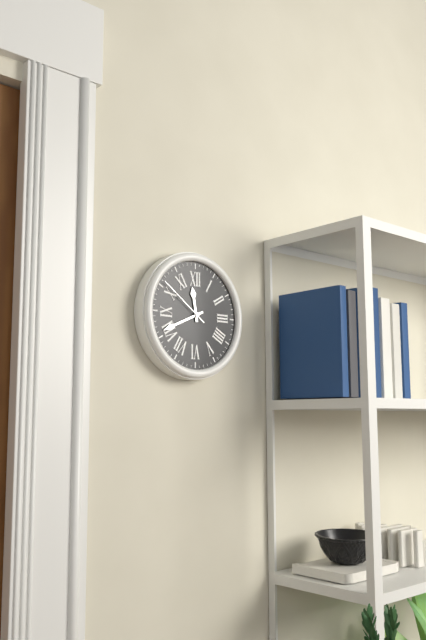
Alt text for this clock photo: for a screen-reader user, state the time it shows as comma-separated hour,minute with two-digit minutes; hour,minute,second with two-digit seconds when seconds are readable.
11,41,51
